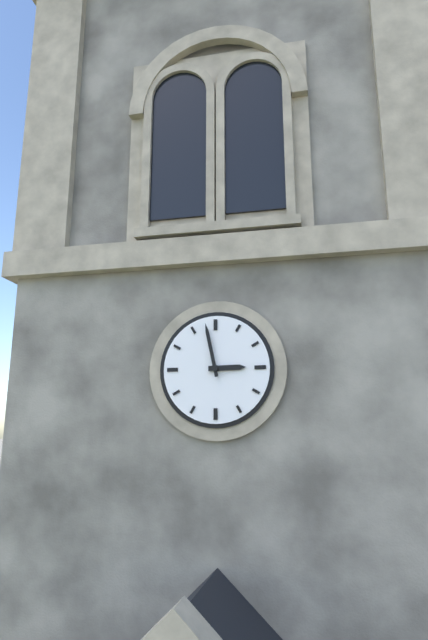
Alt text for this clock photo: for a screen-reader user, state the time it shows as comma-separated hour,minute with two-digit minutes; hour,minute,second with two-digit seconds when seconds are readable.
2,58
